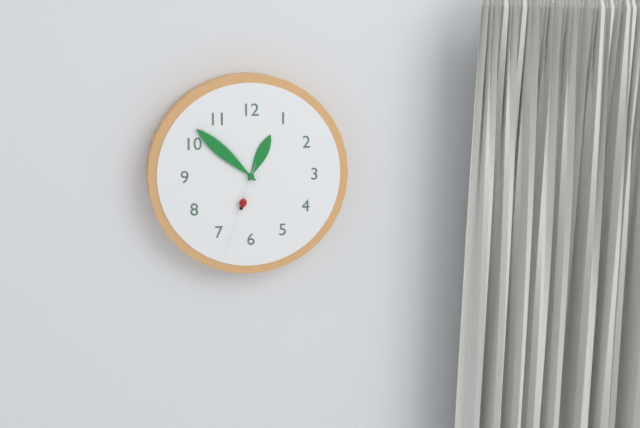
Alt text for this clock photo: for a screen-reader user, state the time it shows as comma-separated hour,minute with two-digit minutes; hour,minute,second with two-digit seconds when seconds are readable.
12,52,33
